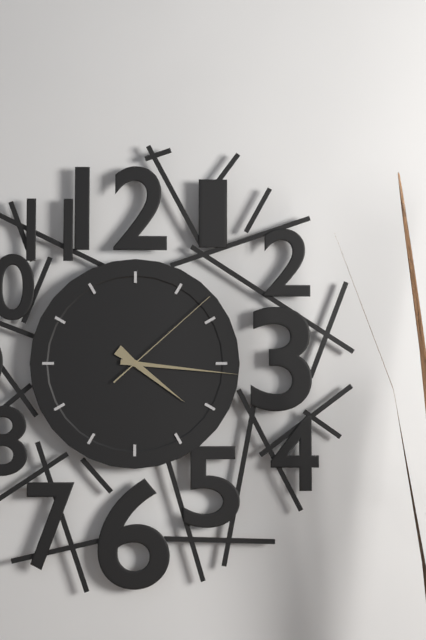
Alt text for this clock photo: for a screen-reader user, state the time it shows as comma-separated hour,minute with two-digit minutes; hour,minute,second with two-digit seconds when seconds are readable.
4,16,08
